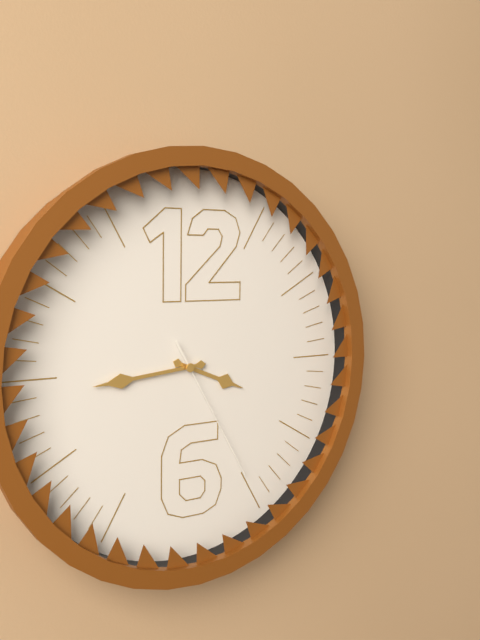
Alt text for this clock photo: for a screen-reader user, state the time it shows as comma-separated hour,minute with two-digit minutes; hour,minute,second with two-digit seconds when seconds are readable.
3,44,25
